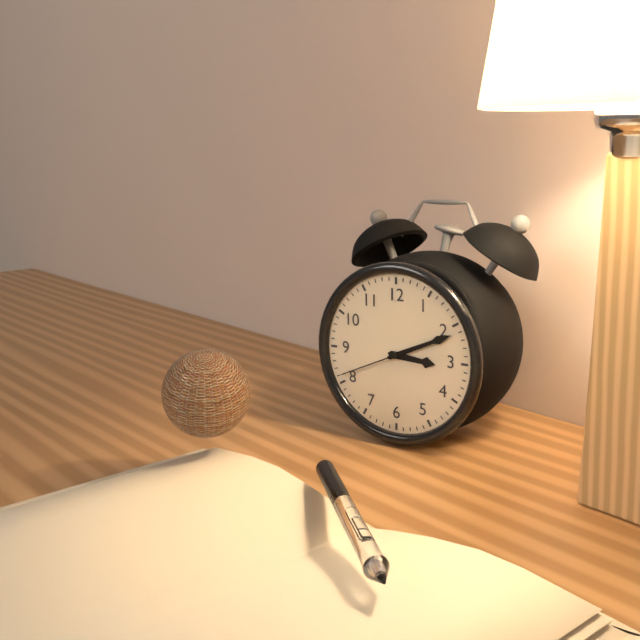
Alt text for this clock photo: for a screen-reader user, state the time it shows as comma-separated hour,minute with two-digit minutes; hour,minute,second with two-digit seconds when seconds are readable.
3,11,41
